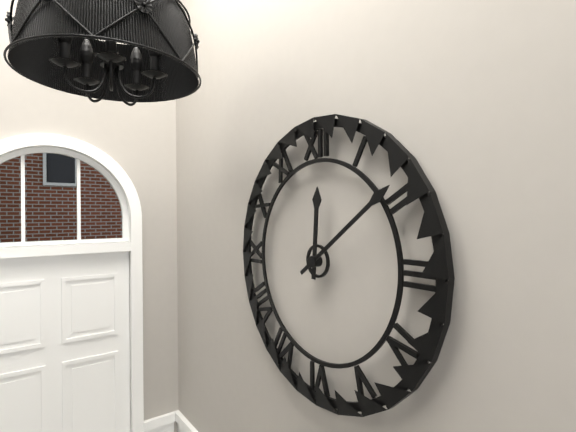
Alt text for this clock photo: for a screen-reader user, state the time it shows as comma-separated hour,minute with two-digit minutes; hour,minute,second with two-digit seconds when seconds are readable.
12,09
